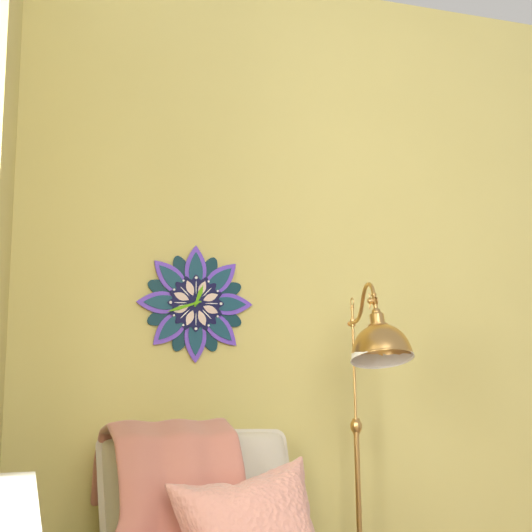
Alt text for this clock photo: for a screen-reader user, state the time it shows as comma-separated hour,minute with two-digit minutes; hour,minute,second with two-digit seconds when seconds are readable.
12,42
